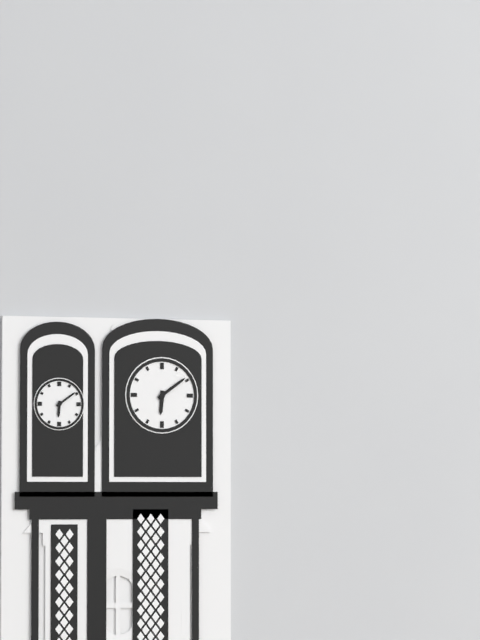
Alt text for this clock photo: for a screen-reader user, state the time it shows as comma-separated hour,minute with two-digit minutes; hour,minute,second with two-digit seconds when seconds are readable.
6,09
